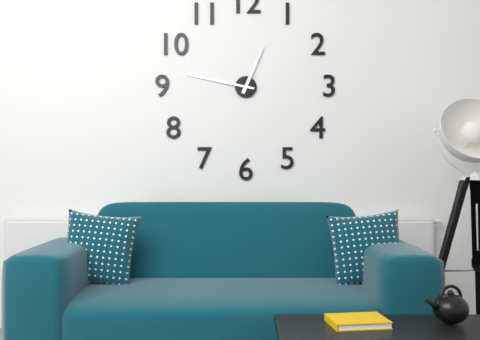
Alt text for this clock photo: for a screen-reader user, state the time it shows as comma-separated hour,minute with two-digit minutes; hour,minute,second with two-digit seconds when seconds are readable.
12,47
